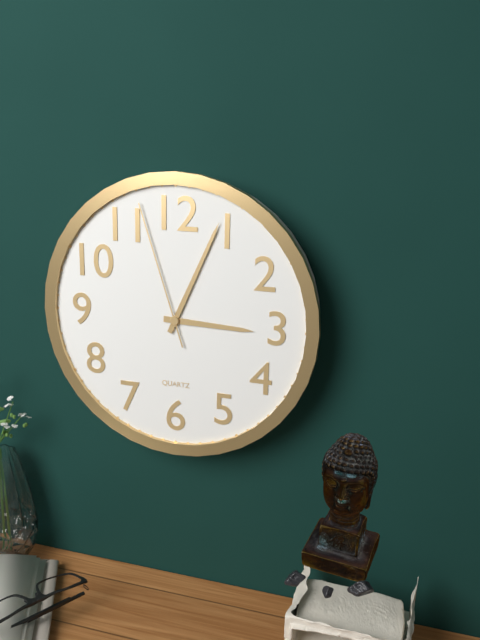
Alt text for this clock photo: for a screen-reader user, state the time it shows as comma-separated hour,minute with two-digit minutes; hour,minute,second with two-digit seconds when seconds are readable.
3,04,57
